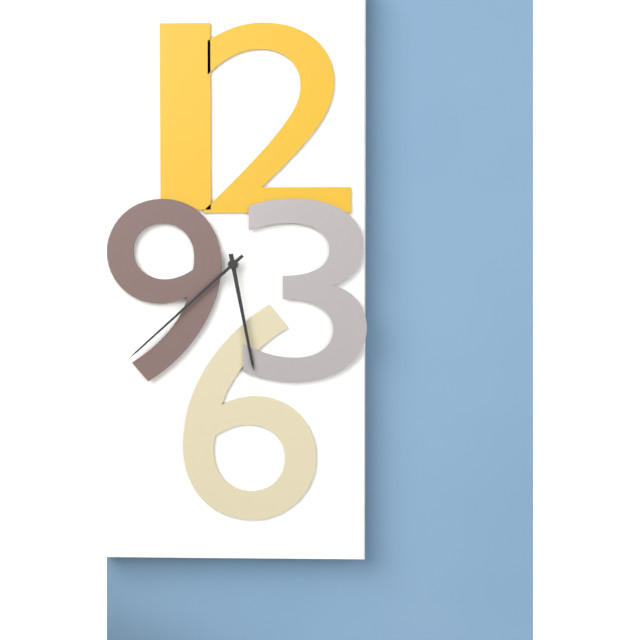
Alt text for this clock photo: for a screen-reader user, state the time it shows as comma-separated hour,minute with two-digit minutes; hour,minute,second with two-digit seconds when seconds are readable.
5,38
